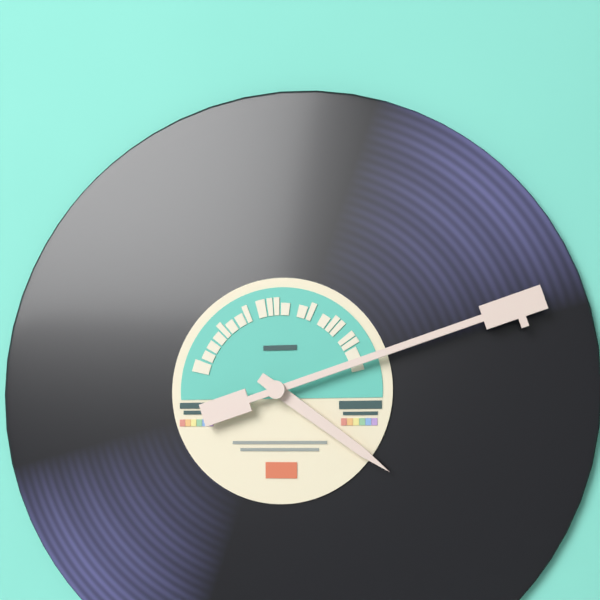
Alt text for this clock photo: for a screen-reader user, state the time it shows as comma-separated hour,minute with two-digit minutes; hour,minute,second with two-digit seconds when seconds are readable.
4,12
